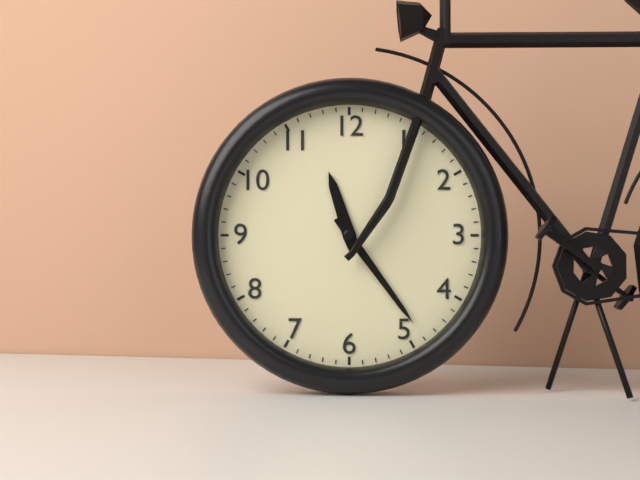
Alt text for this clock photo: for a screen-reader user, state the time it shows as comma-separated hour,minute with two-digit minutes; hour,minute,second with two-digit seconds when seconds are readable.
11,24
